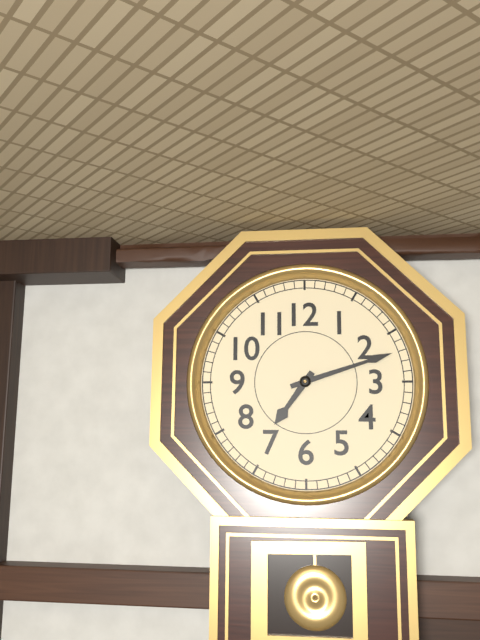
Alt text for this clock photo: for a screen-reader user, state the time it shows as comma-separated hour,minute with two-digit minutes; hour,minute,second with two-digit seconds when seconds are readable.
7,12
